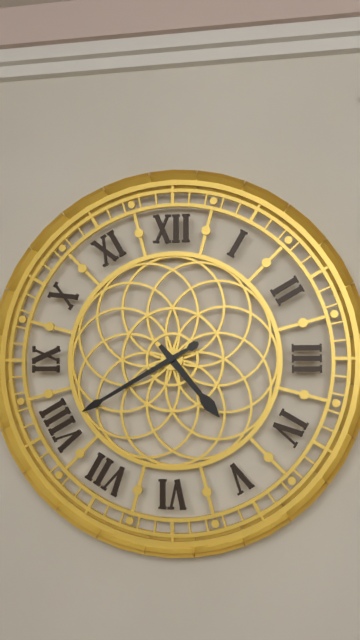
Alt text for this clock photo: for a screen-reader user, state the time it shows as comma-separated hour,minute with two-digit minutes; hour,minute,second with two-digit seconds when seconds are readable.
4,40
